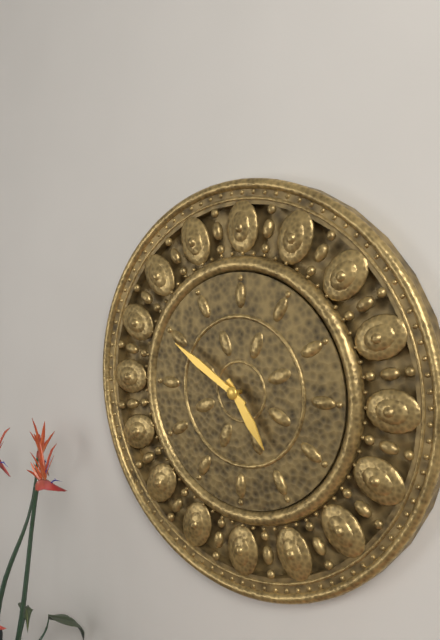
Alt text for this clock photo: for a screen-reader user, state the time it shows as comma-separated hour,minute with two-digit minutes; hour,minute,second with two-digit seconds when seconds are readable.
4,50
